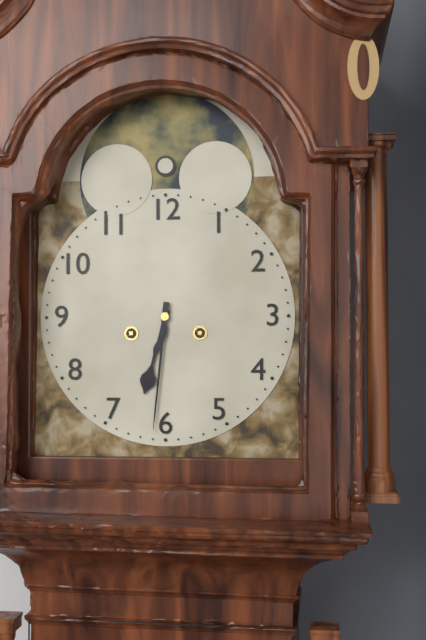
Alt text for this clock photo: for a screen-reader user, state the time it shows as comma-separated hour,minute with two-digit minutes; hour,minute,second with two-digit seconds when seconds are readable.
6,31
